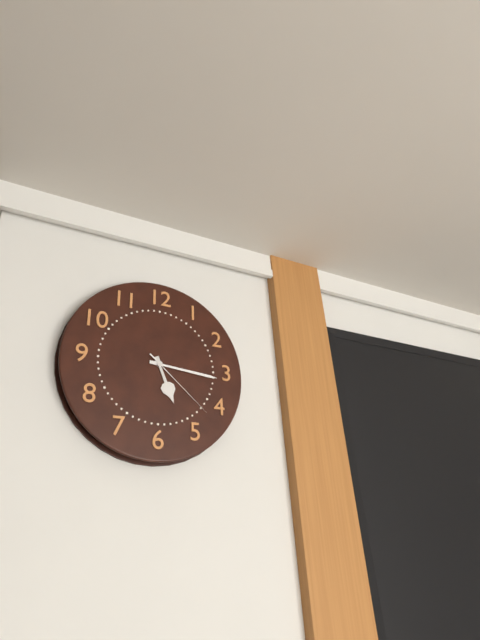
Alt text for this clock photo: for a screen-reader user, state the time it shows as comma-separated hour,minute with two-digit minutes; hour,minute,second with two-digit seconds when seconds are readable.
5,16,22
